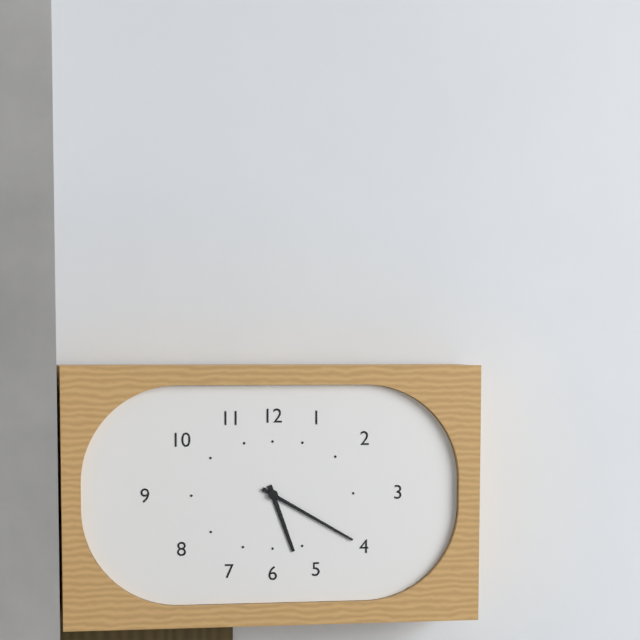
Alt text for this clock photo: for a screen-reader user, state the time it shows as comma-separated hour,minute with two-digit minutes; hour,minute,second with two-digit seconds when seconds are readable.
5,20
